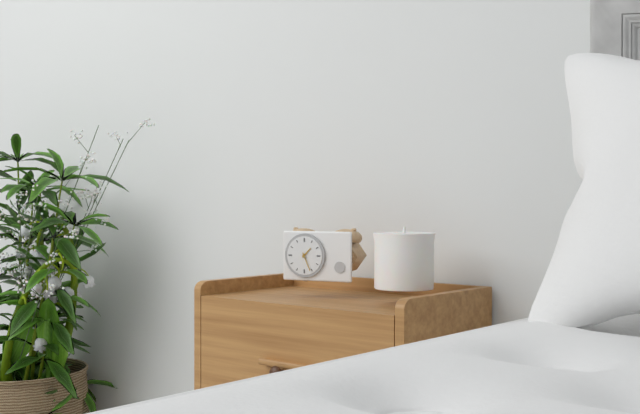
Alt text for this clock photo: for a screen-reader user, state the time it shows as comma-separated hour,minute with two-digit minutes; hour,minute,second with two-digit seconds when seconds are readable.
1,26
